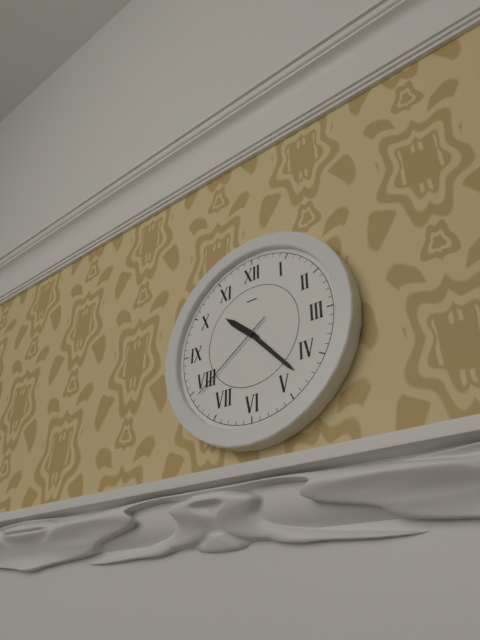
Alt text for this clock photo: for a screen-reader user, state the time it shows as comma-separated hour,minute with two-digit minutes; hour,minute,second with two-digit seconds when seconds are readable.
10,23,39
